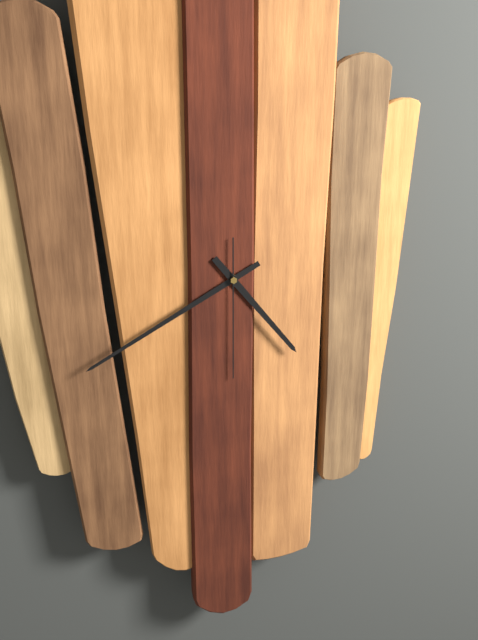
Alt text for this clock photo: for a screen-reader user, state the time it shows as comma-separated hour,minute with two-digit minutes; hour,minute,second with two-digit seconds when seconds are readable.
4,40,30
